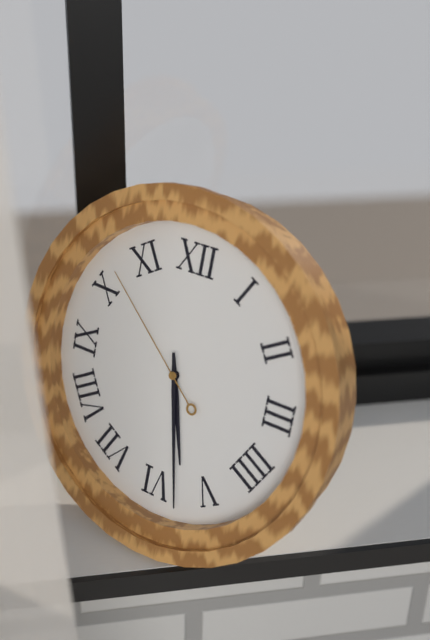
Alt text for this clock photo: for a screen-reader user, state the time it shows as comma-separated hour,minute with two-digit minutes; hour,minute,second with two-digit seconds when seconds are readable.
5,28,52
